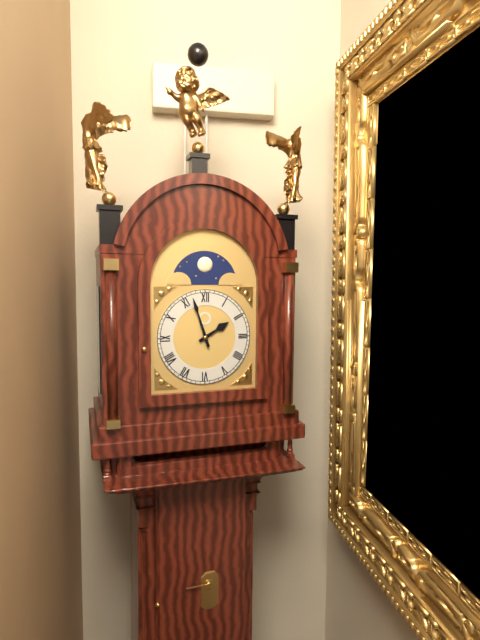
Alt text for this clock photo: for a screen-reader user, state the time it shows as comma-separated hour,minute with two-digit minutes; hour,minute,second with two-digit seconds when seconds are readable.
1,57
